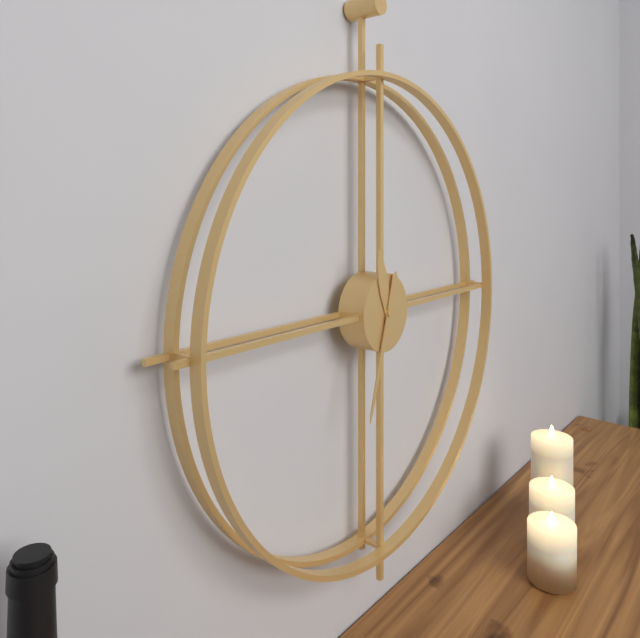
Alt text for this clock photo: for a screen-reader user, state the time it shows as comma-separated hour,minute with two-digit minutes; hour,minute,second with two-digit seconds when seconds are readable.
11,33
